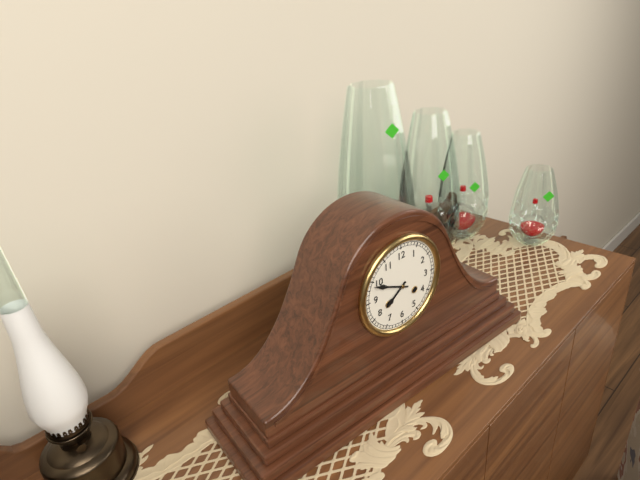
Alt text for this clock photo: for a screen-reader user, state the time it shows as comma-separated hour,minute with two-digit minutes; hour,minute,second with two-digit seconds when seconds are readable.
7,49
